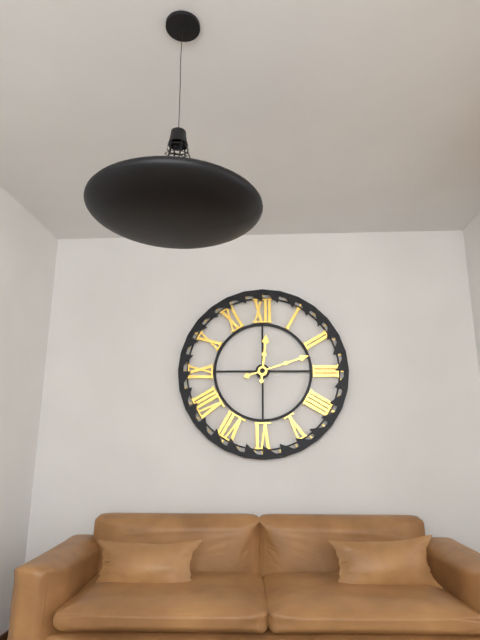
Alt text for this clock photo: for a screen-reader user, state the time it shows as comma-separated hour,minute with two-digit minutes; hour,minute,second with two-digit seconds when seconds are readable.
12,12
